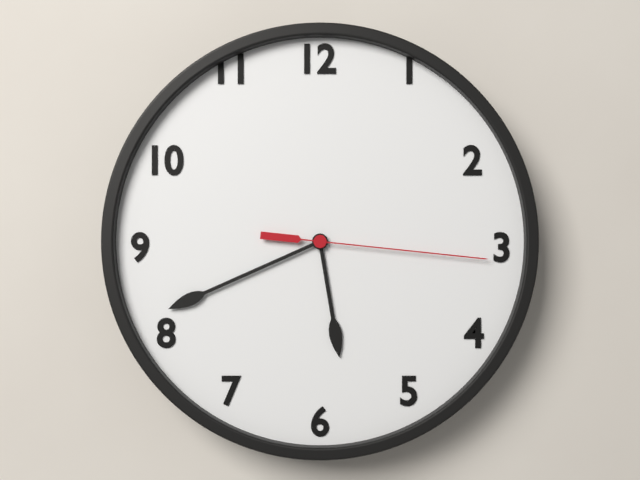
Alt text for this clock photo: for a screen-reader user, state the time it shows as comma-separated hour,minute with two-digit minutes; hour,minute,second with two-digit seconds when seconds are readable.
5,41,16
